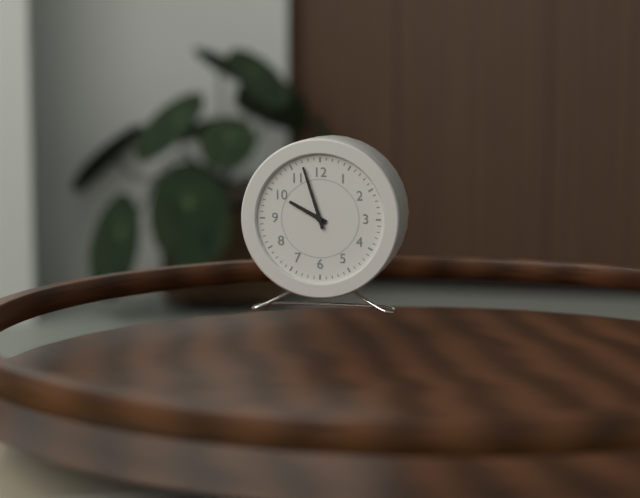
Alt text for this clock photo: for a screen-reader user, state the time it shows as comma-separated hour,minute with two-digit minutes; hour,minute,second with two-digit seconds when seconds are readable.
9,57
